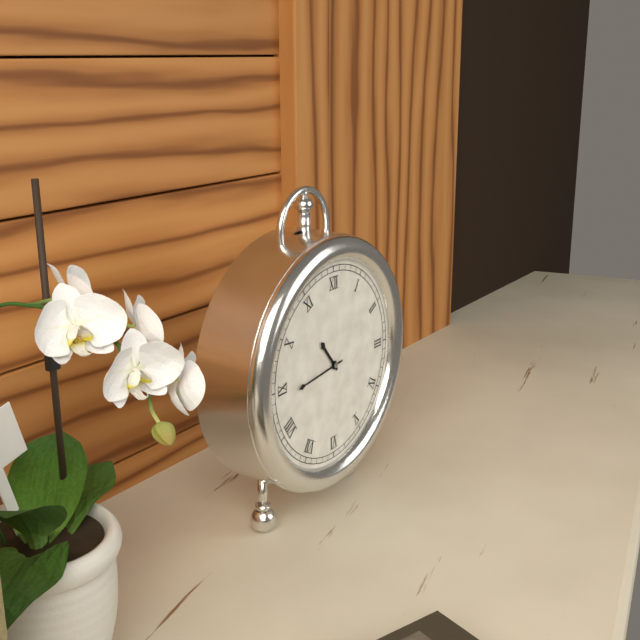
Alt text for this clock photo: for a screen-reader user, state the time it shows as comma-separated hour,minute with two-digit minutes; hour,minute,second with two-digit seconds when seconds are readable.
10,44
